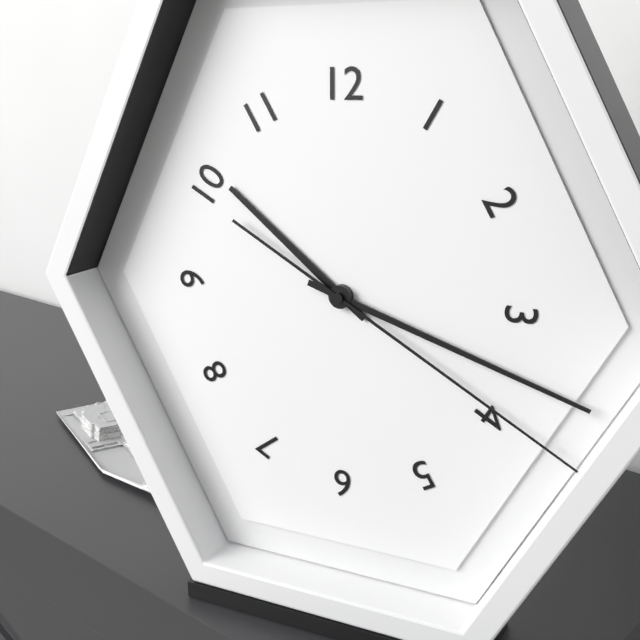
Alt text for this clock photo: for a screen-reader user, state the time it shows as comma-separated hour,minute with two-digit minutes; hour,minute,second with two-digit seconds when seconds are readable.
10,18,20
